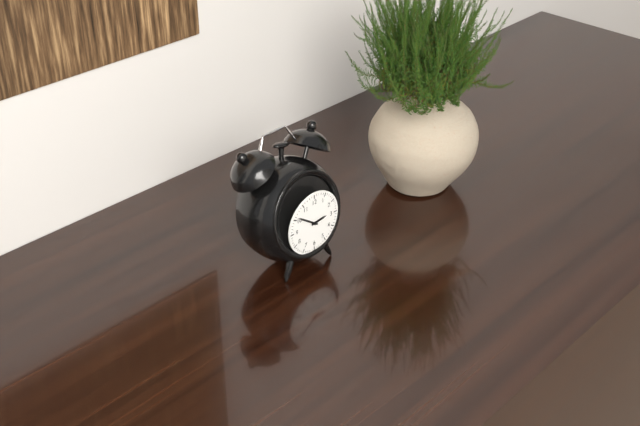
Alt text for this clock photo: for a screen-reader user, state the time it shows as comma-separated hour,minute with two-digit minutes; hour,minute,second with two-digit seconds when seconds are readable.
2,51
